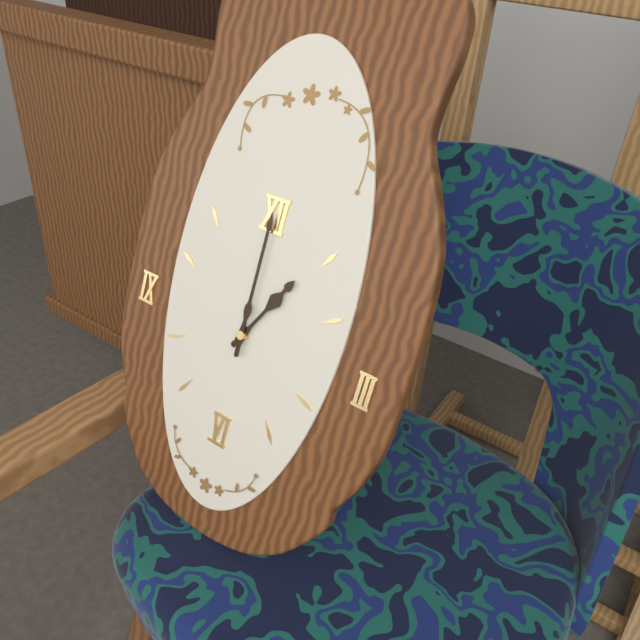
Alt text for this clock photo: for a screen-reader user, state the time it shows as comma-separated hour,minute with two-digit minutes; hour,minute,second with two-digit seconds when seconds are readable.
1,00
